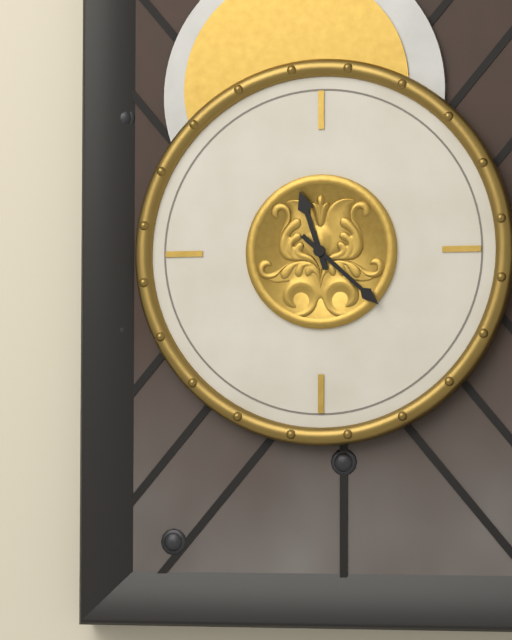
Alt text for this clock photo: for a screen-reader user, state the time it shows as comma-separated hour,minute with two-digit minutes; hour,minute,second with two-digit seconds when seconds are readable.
11,22
